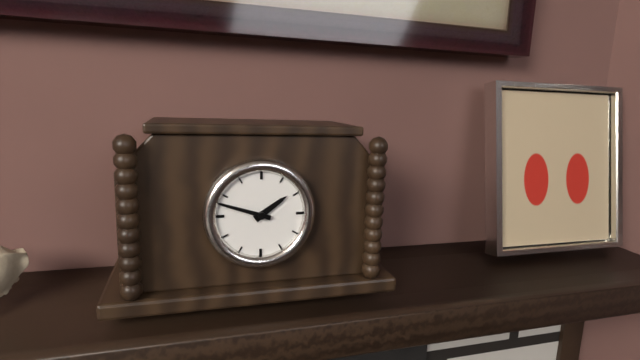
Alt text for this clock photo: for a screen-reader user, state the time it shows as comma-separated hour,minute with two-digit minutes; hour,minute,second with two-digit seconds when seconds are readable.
1,48
